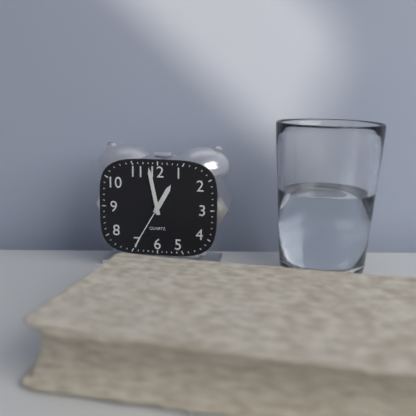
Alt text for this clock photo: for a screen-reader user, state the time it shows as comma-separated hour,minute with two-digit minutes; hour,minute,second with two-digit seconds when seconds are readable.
12,58,35
